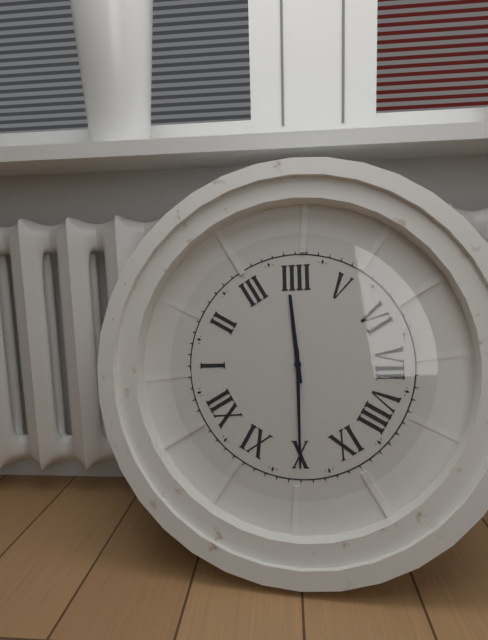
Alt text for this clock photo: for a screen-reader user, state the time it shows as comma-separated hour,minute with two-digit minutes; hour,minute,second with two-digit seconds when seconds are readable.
3,50
